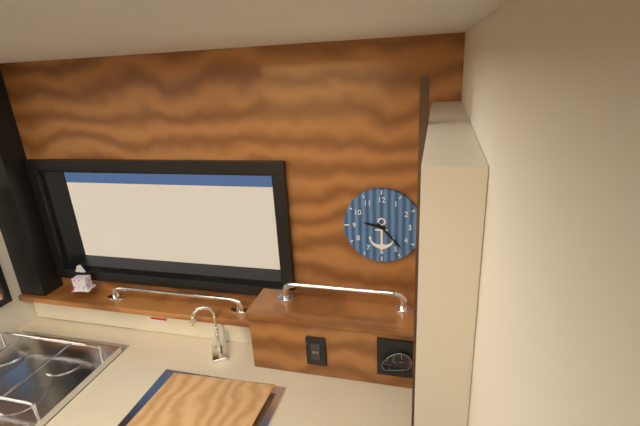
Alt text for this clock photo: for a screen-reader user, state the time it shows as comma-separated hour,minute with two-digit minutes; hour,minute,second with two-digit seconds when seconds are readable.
9,23
